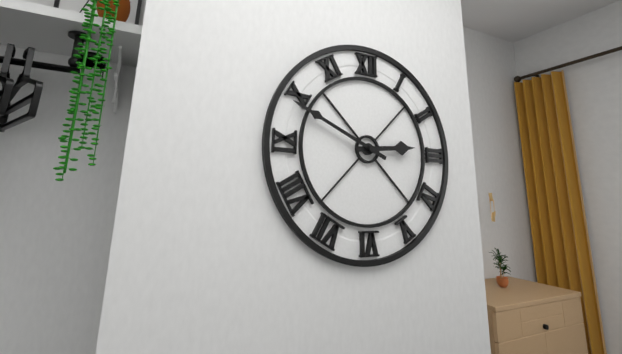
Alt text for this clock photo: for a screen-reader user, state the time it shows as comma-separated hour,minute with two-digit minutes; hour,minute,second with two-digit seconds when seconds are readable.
2,49
